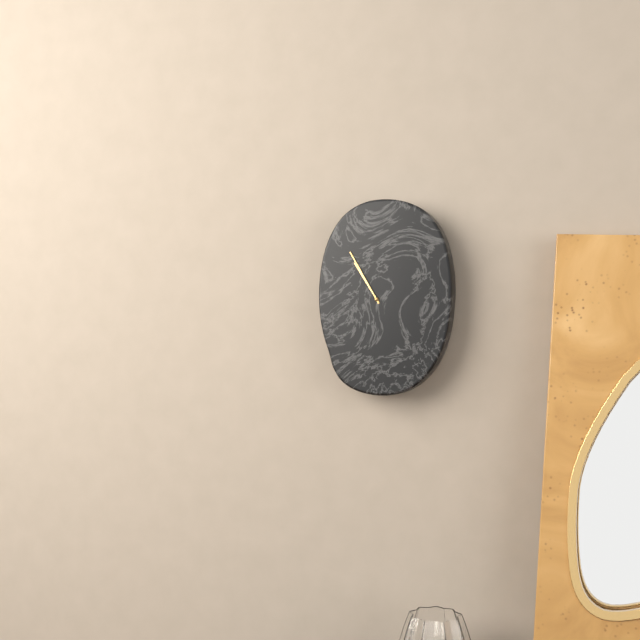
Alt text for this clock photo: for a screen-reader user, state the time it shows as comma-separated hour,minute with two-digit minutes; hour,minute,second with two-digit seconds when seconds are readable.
10,55
